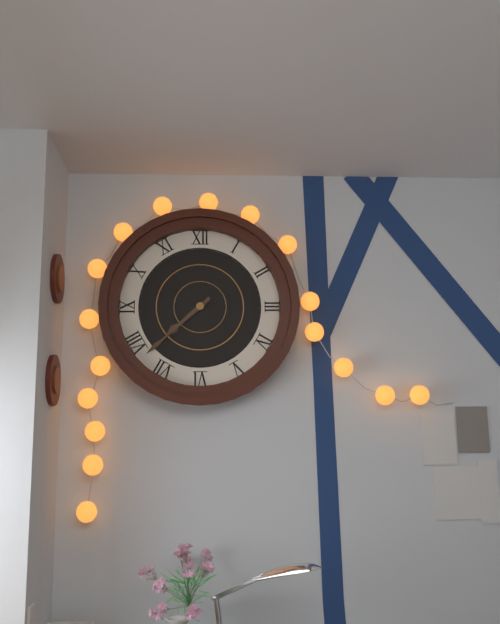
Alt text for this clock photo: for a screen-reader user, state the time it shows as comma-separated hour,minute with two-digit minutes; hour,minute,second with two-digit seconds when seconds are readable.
7,38
